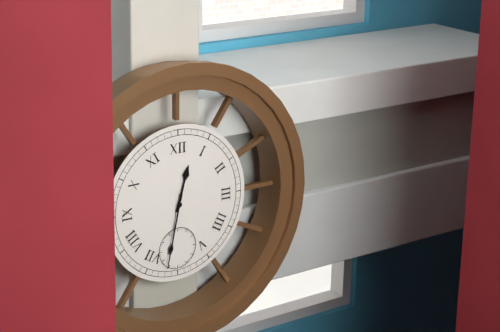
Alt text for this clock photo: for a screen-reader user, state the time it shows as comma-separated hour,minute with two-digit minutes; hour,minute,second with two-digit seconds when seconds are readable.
12,32
